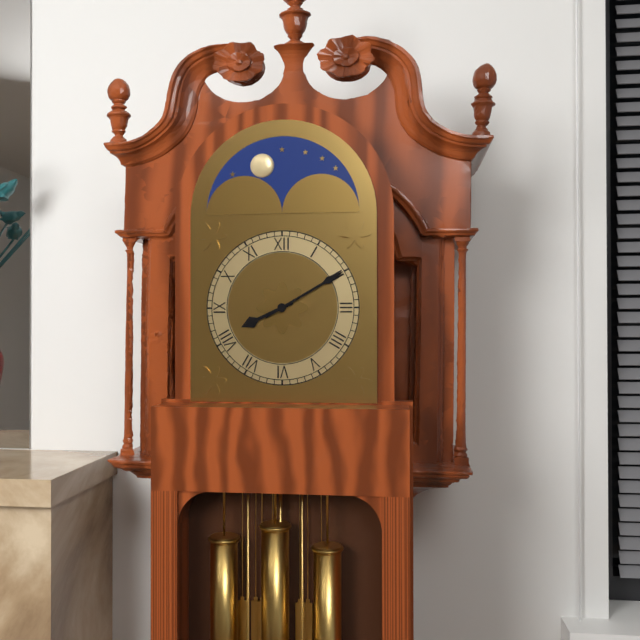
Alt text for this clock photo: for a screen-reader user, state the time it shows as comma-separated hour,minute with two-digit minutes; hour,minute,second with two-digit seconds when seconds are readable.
8,10
